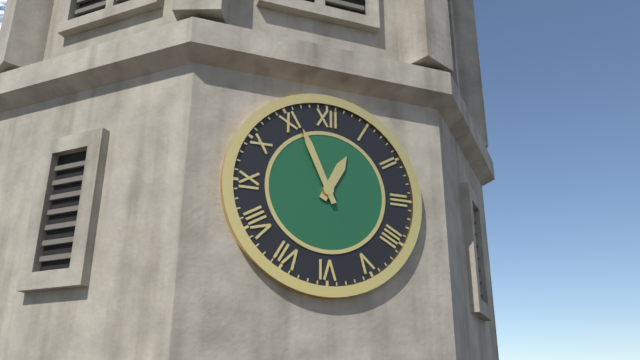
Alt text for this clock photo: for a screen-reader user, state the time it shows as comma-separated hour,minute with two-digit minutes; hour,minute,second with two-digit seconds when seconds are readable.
12,56
